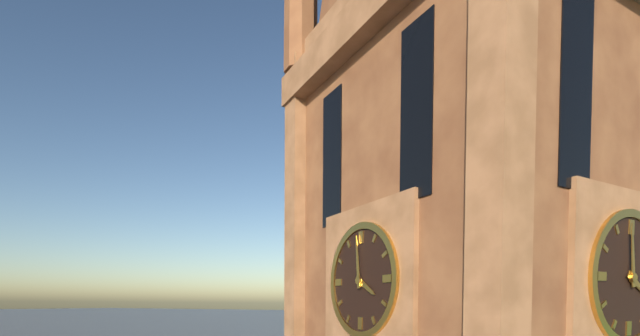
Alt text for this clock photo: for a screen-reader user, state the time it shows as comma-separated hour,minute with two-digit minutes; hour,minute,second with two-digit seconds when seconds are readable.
3,59
